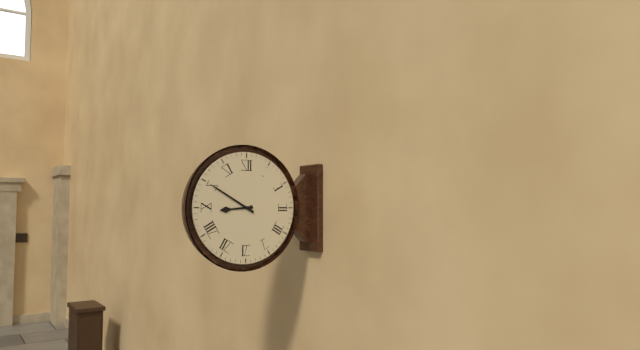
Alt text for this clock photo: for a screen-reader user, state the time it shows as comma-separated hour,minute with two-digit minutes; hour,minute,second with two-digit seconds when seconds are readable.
8,50
